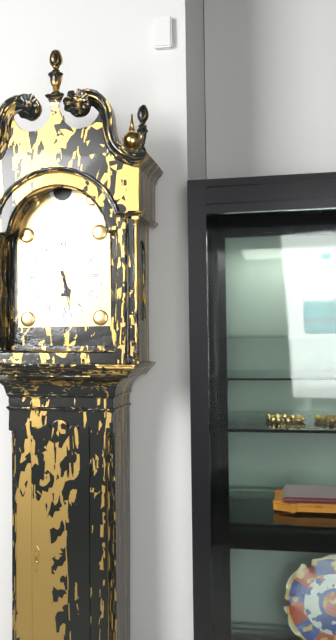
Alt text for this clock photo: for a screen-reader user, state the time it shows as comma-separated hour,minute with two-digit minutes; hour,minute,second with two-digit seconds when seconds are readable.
5,28
